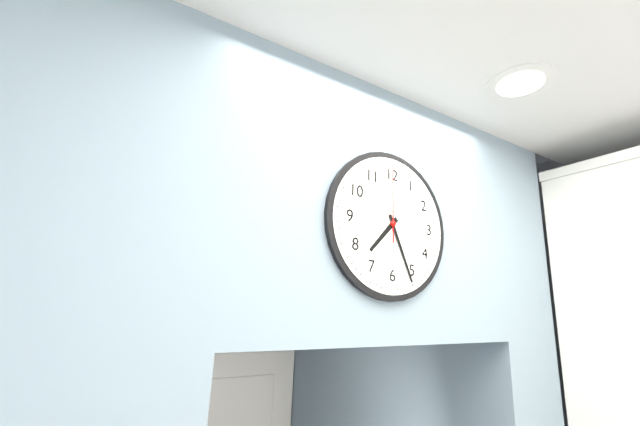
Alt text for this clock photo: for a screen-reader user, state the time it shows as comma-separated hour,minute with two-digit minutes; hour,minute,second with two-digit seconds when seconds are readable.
7,26,00
